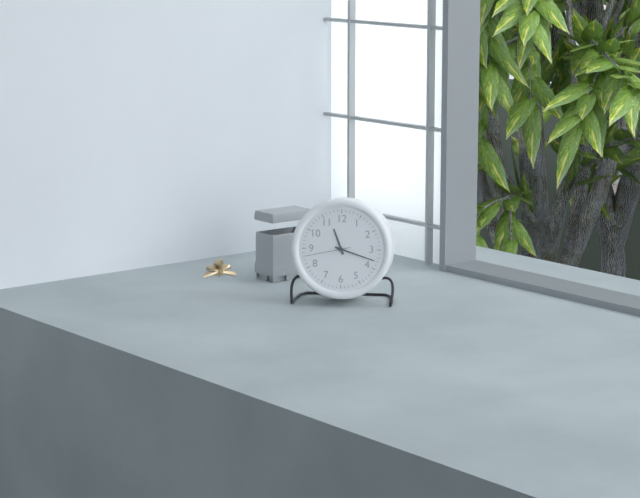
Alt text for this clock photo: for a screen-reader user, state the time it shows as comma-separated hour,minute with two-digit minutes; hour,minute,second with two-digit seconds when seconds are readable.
11,18
